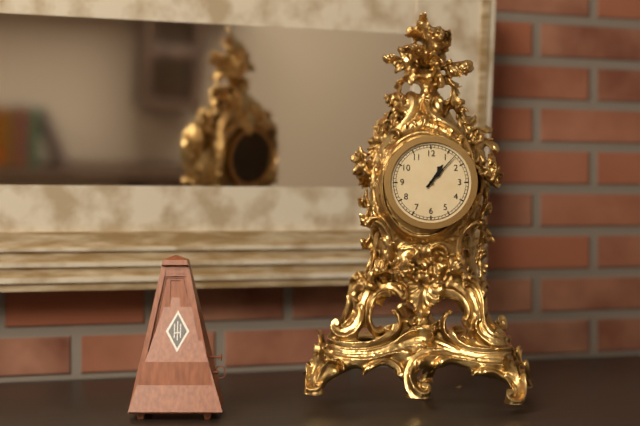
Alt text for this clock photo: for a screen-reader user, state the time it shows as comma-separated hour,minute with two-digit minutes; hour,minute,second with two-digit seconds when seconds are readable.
1,07
